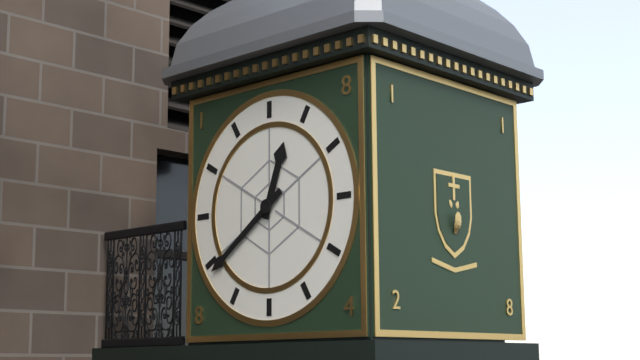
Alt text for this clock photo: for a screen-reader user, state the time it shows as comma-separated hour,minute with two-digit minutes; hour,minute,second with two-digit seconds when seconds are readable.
12,39
